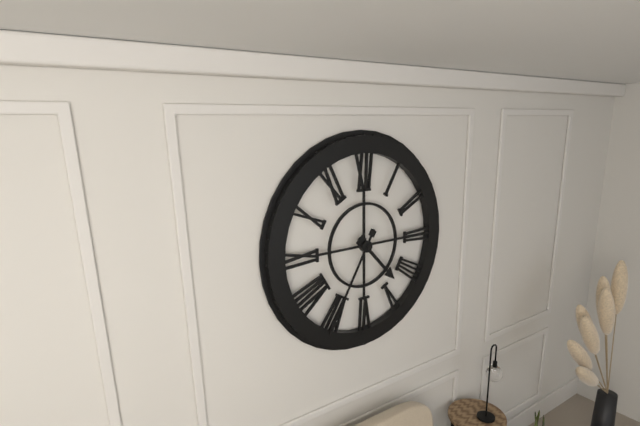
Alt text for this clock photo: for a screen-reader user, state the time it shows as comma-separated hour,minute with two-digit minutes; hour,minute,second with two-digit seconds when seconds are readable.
4,35
